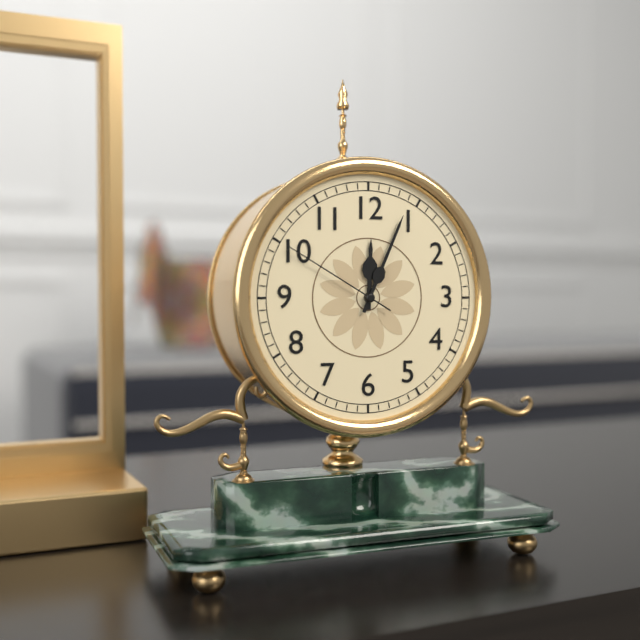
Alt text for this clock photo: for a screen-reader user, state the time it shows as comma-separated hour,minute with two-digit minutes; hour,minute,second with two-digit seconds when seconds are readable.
12,04,50
